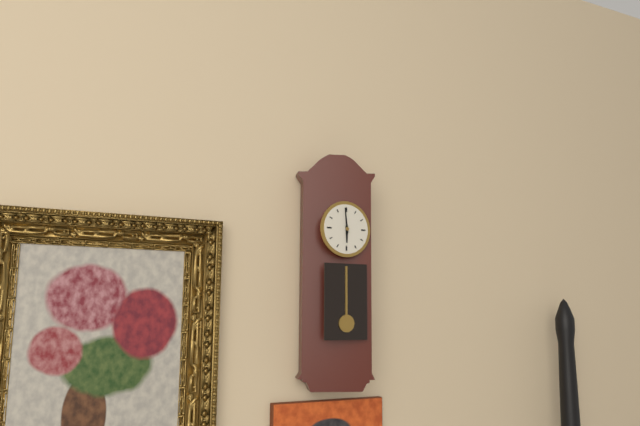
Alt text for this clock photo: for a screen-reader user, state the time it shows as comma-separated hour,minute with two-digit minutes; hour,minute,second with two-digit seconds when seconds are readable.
5,59
